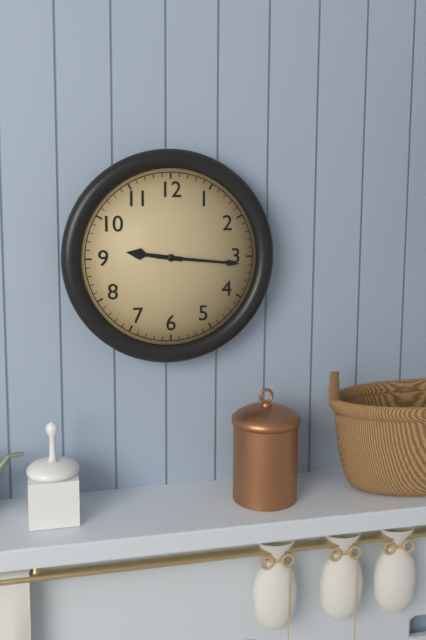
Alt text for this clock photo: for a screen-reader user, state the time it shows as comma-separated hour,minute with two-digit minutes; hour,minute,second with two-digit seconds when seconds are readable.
9,16
